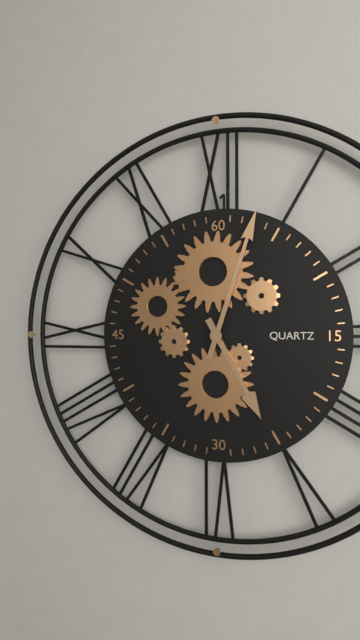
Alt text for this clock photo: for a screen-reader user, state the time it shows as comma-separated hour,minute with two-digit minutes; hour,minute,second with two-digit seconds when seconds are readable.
5,03
